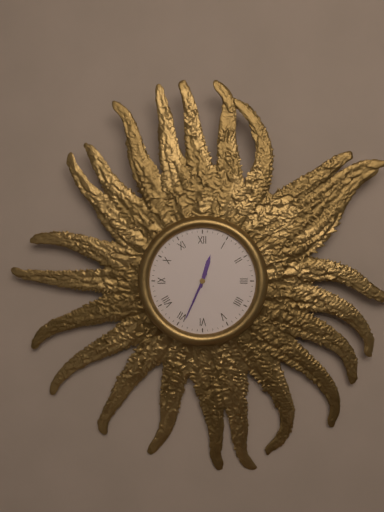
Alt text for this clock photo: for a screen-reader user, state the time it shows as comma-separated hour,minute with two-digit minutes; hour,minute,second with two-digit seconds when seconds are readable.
12,34
